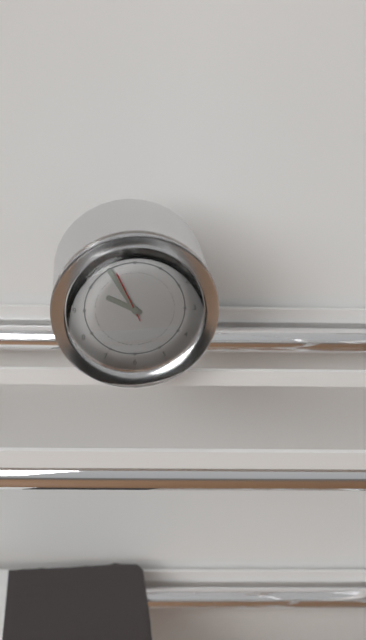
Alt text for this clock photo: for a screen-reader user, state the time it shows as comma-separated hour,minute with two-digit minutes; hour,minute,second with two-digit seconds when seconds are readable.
9,55,56
